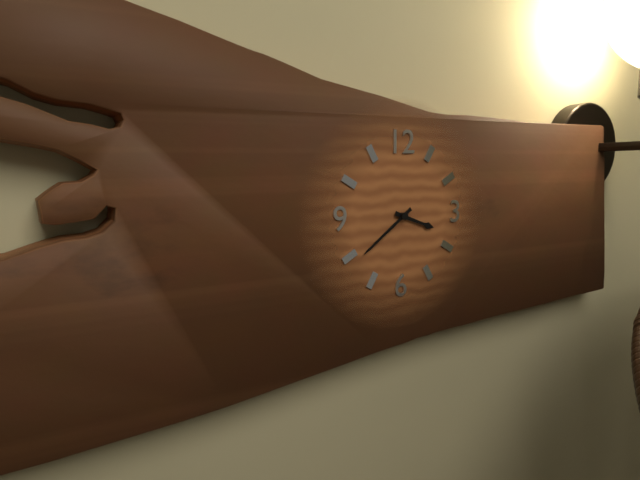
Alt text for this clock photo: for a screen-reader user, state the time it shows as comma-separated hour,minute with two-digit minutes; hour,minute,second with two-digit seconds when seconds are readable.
3,39
